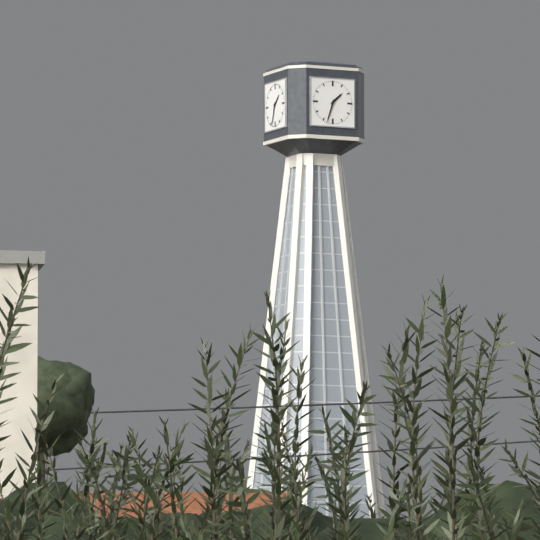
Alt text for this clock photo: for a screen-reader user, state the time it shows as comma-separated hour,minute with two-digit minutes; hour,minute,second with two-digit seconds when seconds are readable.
1,33
